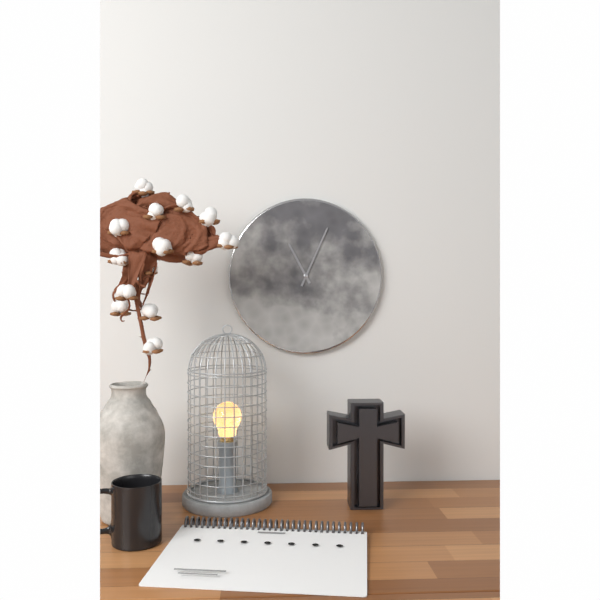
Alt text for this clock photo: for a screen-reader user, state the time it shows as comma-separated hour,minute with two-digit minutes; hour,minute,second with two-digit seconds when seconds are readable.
11,04
